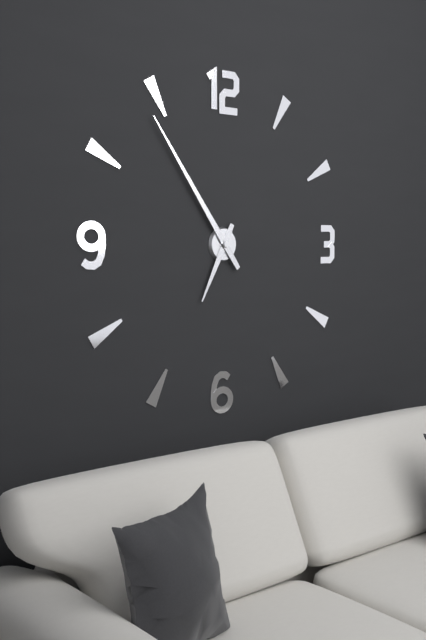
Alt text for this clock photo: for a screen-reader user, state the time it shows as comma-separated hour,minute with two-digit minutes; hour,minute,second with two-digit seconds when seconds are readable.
6,54
